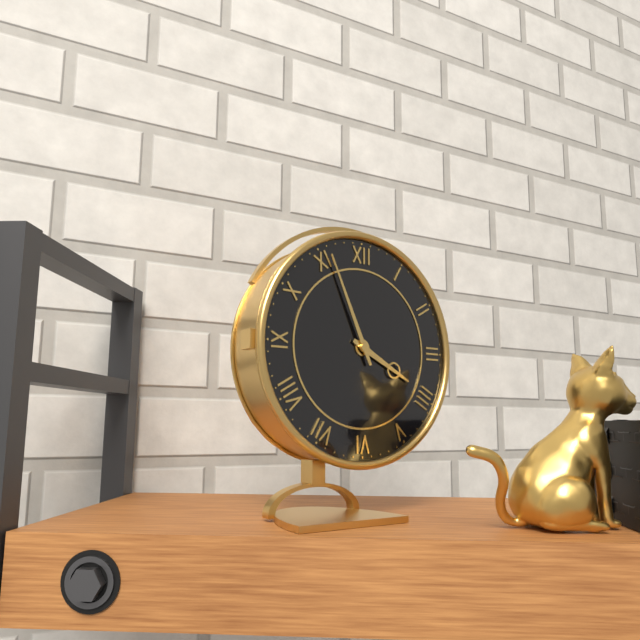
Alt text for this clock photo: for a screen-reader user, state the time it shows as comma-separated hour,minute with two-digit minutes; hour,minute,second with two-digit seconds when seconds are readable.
3,56
